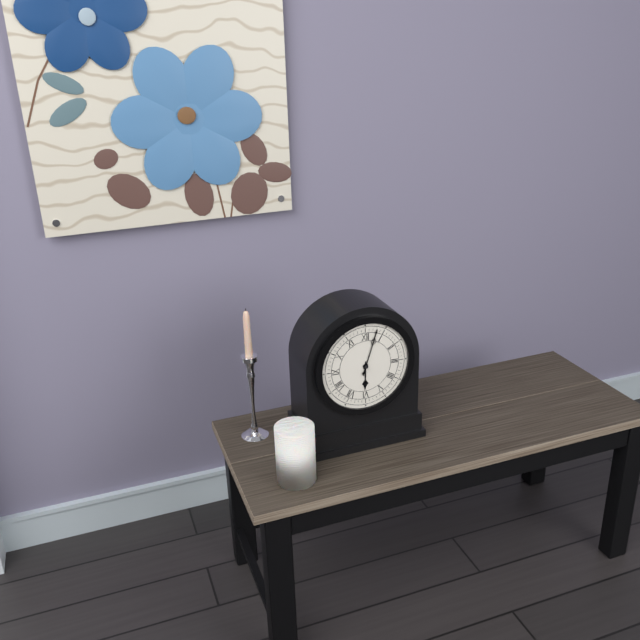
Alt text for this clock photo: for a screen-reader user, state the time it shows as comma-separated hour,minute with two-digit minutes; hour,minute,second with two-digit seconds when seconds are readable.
6,03
